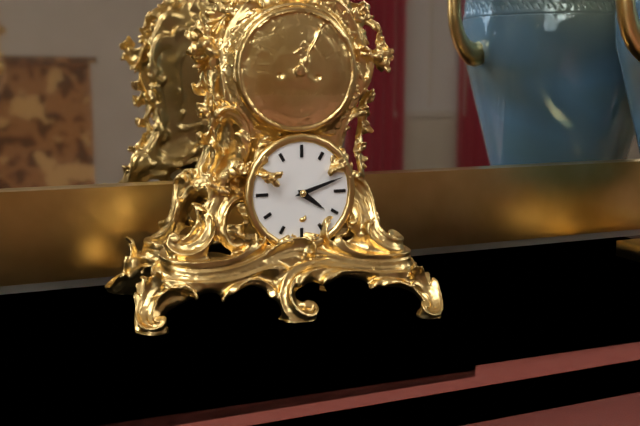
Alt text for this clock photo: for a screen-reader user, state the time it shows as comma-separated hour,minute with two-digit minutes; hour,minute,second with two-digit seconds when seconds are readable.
4,12
